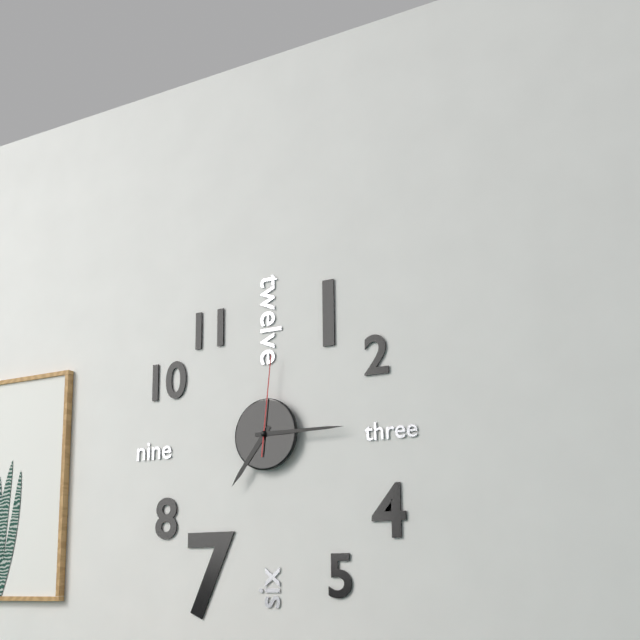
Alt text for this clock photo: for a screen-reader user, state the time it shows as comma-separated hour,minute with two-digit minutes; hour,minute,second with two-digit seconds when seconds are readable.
7,15,01
